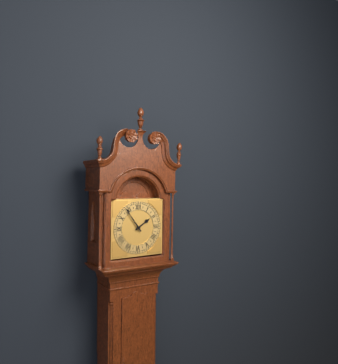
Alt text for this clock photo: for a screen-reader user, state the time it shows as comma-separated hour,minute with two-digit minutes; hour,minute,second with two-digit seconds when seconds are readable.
1,54
